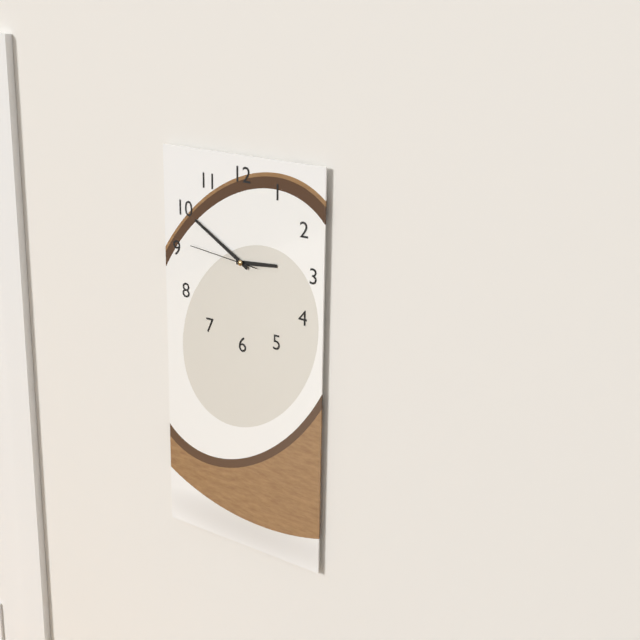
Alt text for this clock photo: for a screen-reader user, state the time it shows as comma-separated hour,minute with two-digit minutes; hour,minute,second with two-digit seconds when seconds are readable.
2,50,46
